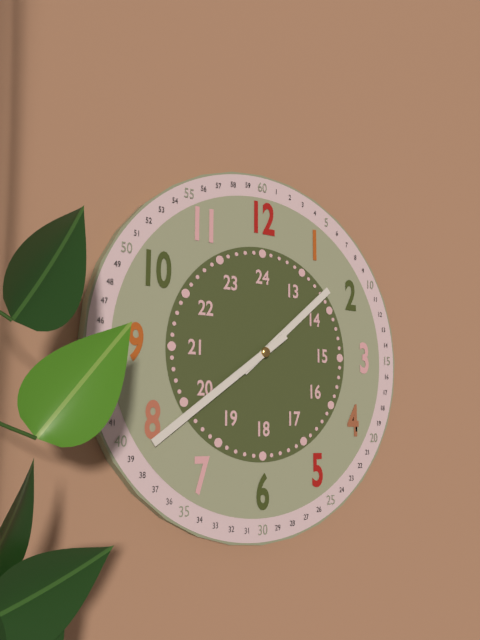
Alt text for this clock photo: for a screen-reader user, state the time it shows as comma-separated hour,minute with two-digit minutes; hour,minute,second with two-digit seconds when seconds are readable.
1,39
